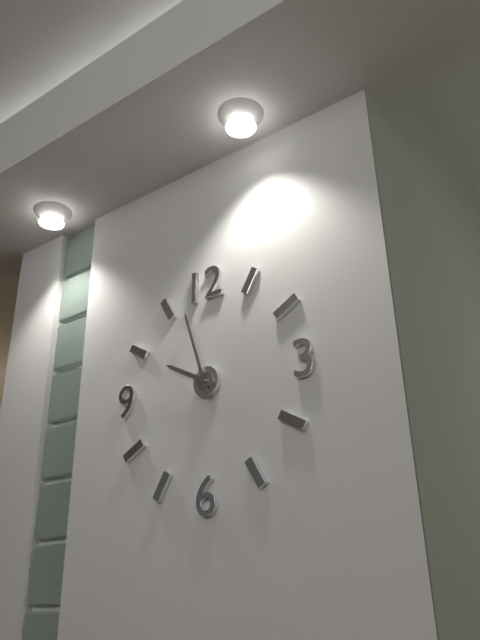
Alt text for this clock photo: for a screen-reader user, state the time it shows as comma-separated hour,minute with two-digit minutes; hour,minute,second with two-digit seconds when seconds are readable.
9,57
